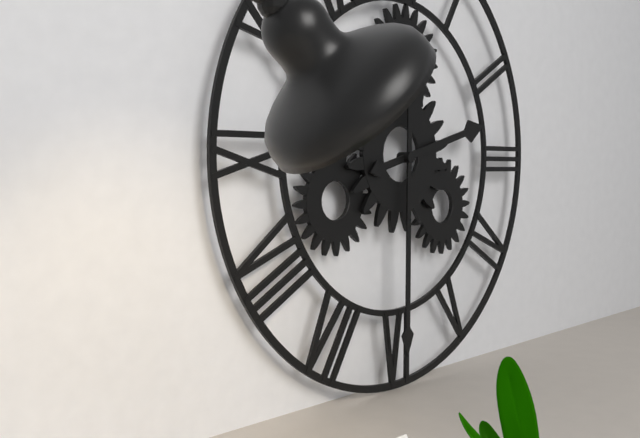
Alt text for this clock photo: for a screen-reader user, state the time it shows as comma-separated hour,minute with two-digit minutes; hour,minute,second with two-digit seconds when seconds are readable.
2,30
